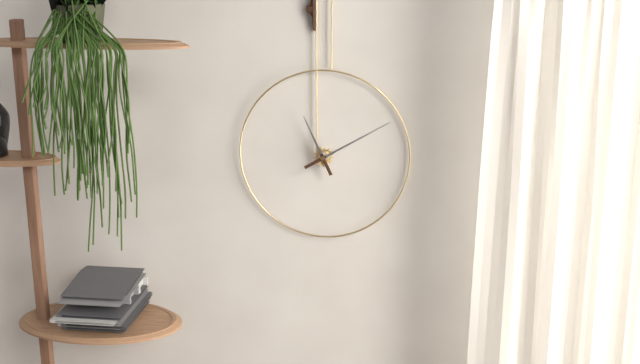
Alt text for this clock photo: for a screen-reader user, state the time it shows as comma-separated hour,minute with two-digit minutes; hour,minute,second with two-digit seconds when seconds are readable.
11,10
